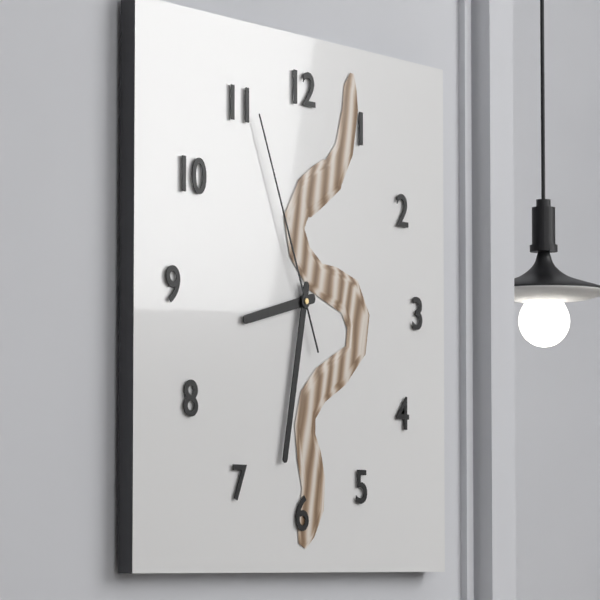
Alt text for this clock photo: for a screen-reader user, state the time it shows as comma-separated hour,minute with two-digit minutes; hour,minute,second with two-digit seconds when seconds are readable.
8,32,56
